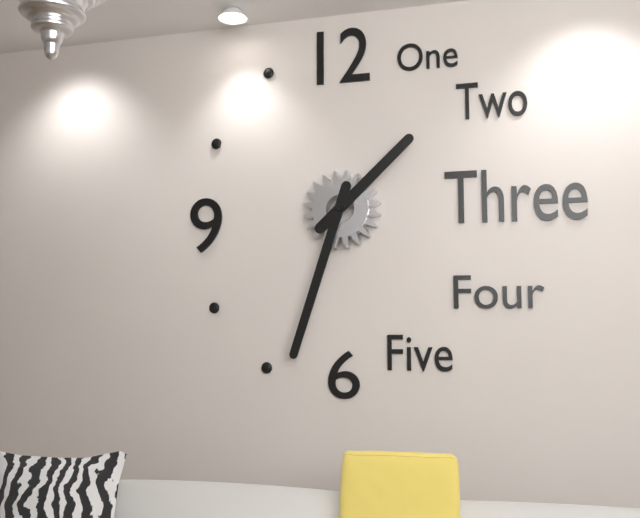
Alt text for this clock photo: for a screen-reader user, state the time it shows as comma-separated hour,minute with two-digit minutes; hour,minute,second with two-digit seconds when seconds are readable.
1,33
